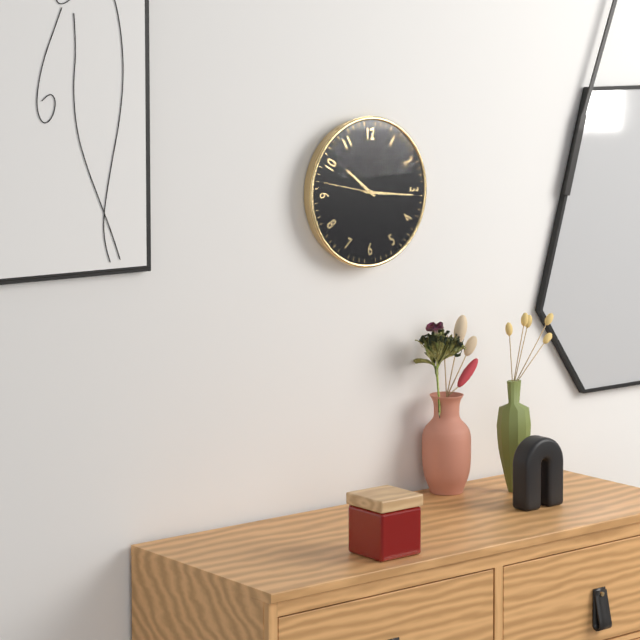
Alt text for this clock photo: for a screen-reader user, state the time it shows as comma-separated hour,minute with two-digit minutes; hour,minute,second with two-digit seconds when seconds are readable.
10,16,47
